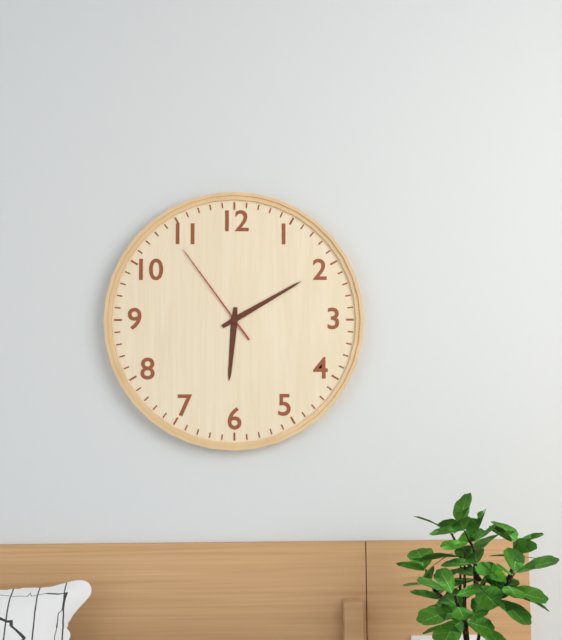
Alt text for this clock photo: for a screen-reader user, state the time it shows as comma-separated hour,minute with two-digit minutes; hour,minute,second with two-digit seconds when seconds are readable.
6,10,54
